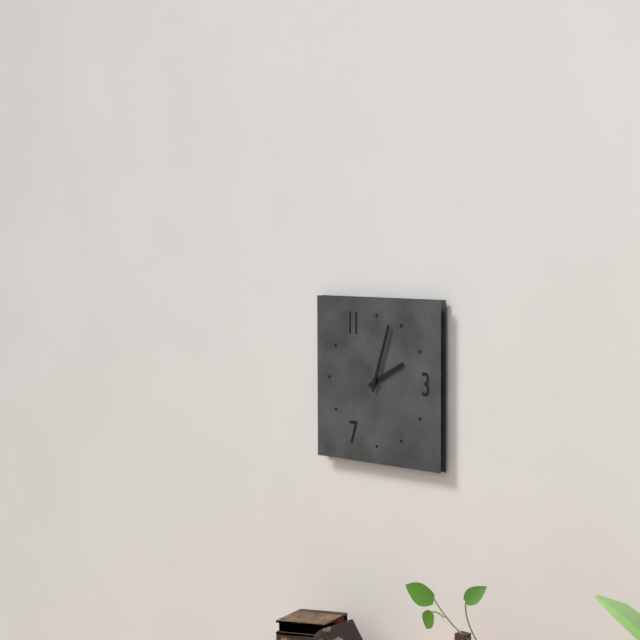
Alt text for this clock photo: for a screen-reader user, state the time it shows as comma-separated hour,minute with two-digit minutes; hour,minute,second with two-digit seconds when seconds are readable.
2,03
